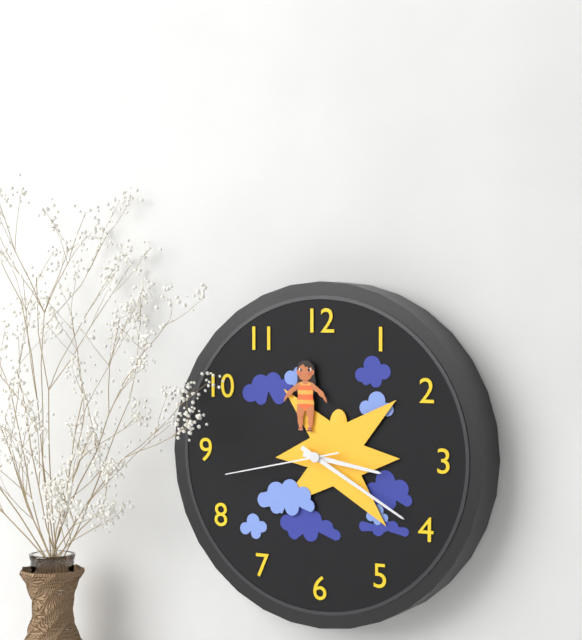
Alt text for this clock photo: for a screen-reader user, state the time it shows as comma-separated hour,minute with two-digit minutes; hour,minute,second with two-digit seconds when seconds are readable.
3,20,43
